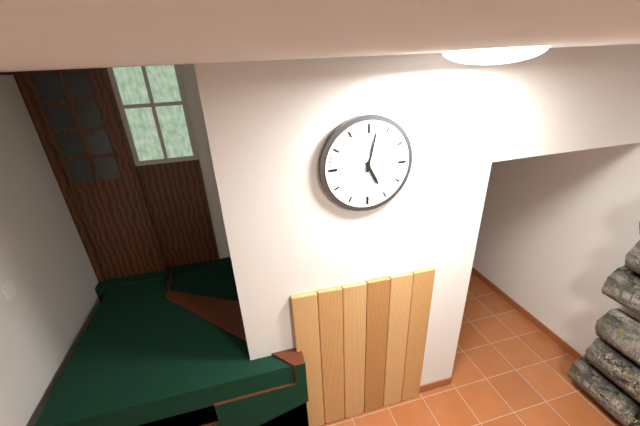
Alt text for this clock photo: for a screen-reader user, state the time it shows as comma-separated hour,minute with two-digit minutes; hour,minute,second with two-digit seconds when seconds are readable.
5,02
